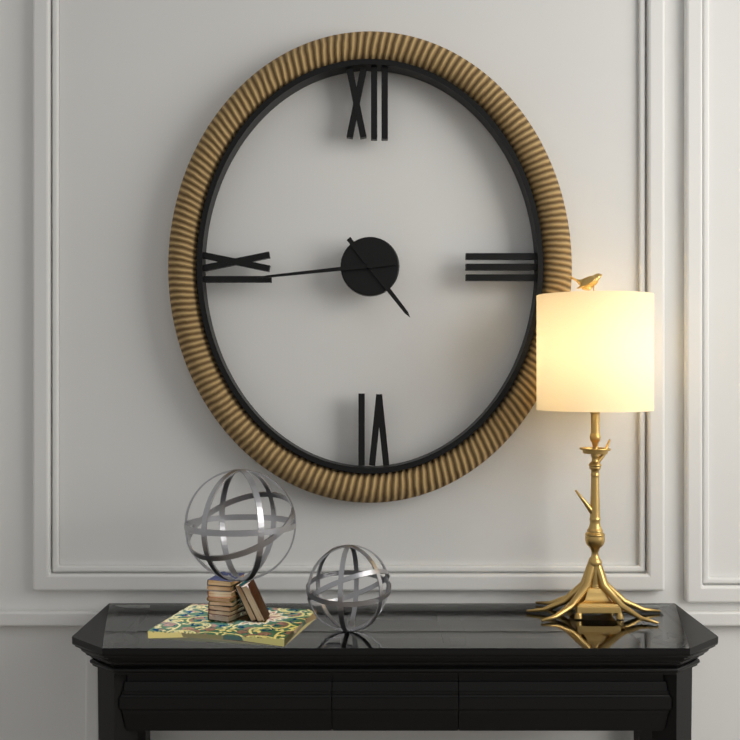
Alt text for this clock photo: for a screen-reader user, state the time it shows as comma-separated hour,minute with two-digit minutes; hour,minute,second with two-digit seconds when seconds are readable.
4,44
